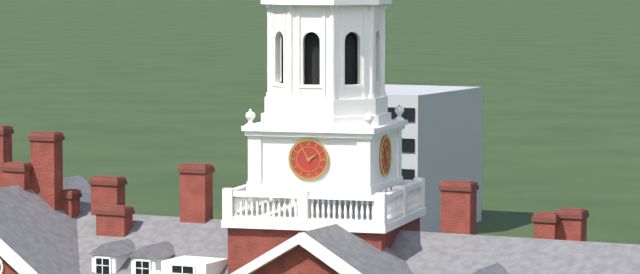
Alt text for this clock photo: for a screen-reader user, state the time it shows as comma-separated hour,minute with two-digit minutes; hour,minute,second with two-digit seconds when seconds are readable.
1,55
